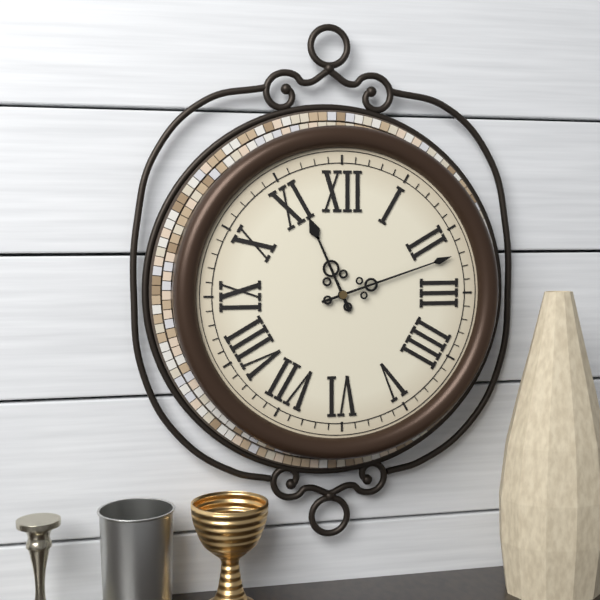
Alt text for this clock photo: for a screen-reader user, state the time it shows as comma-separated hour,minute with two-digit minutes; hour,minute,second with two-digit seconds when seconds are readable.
11,12
